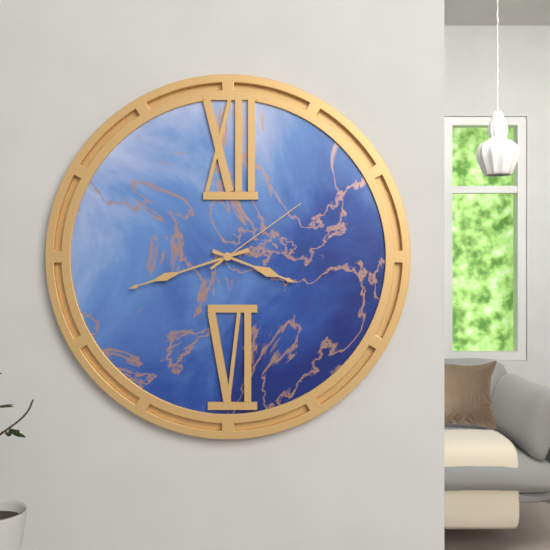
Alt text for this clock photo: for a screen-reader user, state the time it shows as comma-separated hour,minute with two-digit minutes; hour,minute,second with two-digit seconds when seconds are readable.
3,42,09
